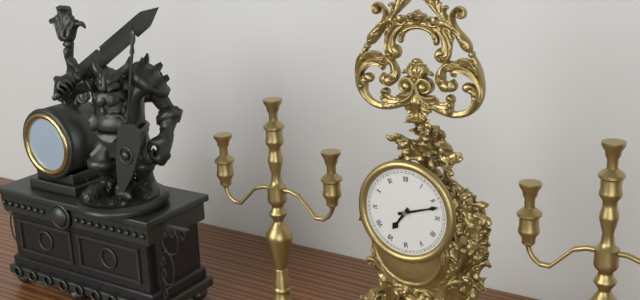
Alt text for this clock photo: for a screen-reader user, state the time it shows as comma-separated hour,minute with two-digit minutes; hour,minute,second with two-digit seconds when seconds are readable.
7,12
